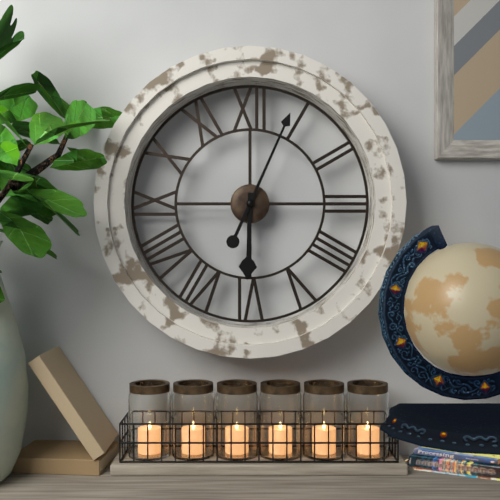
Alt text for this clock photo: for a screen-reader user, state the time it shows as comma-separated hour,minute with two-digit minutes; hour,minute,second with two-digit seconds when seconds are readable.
6,04
